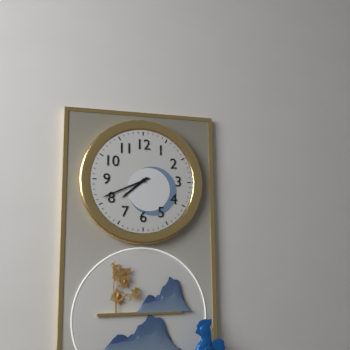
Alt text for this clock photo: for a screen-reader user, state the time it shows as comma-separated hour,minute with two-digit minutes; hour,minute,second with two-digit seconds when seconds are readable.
7,41
